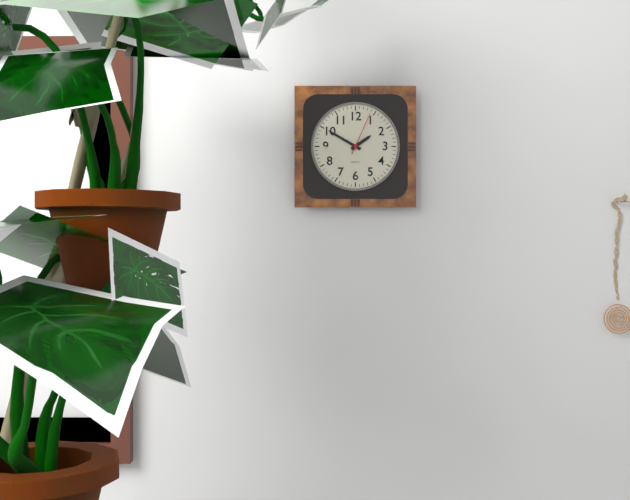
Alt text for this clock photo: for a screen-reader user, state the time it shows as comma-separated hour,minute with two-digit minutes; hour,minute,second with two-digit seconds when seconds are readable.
1,50
